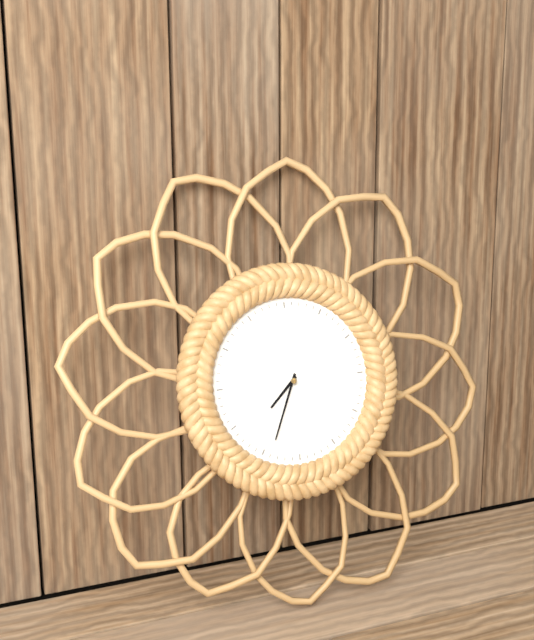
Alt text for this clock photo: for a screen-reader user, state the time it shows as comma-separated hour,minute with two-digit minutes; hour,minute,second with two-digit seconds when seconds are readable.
7,34
